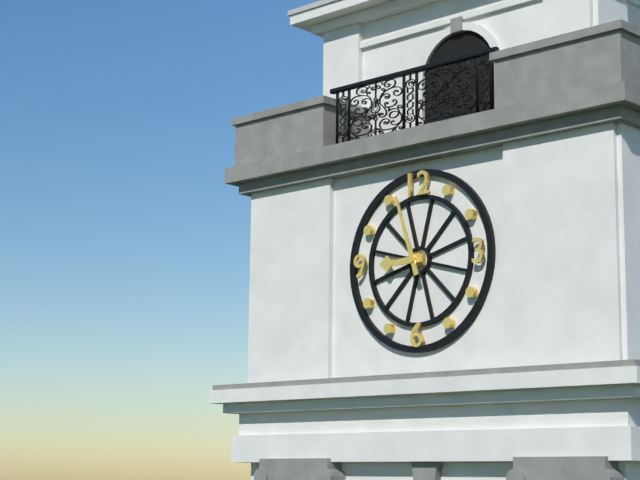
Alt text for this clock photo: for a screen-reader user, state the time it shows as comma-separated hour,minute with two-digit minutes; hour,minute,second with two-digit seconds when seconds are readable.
8,57
